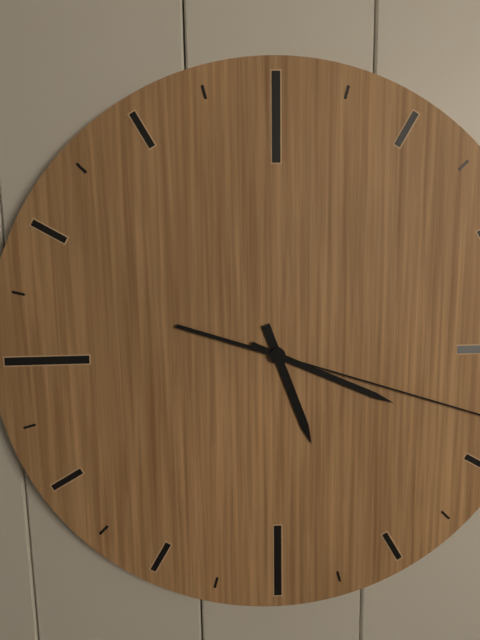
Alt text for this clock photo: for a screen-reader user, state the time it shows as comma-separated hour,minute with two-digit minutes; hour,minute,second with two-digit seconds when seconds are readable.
5,19
